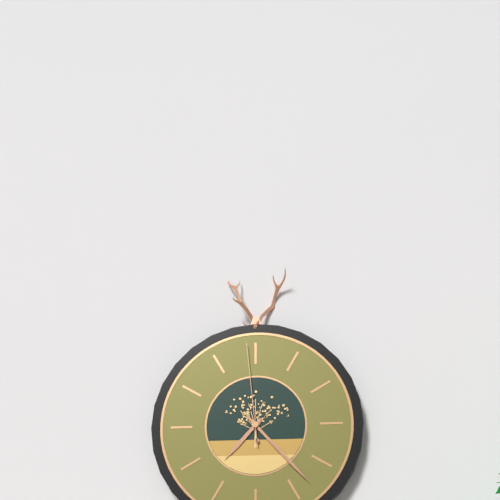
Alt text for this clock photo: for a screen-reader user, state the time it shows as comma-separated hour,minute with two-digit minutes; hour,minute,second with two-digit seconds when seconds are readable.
7,23,59
